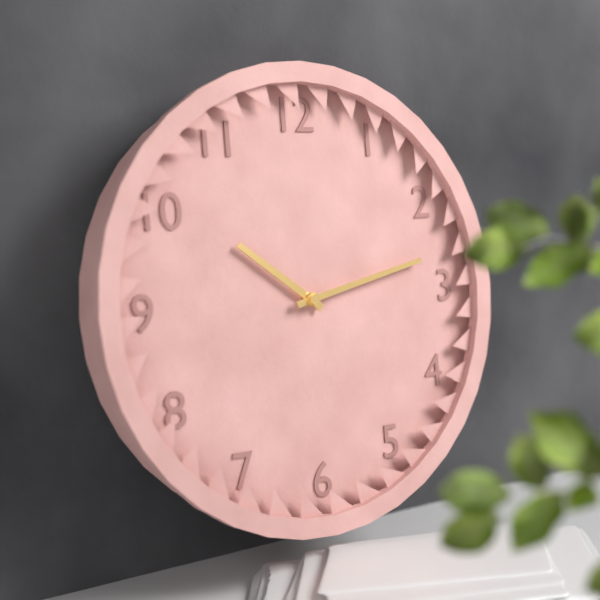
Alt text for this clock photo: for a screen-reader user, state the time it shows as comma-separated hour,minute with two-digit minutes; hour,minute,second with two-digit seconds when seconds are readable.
10,13
